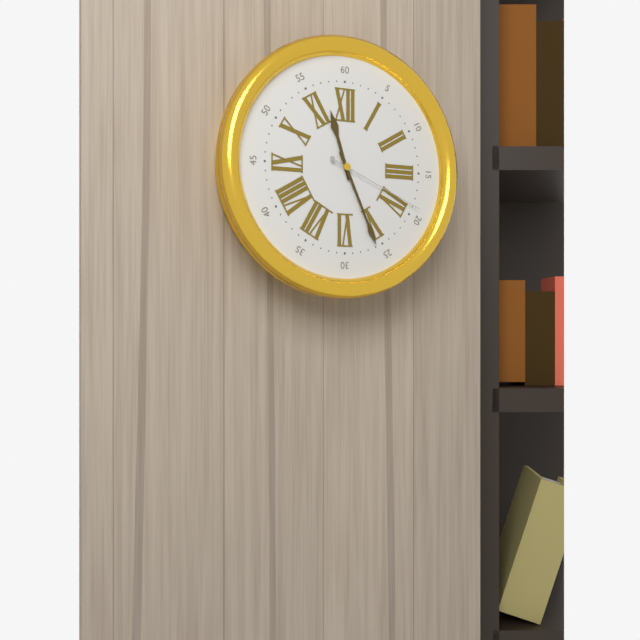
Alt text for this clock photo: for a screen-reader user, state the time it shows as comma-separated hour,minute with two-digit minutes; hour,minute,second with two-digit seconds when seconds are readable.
11,26,19
